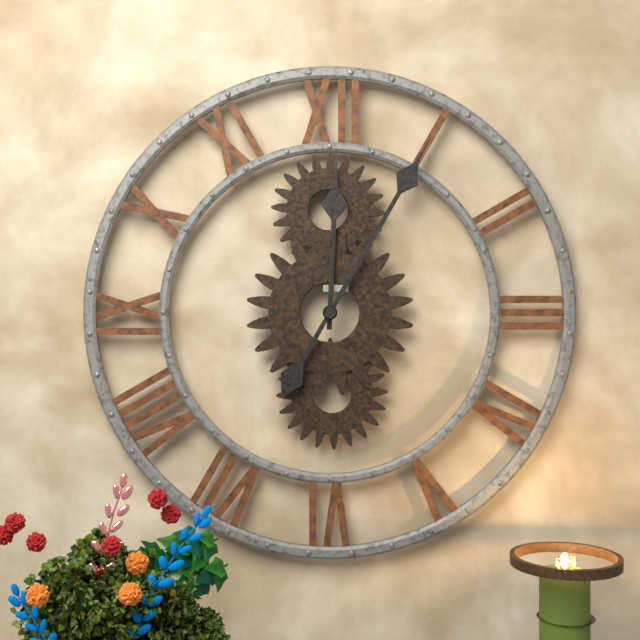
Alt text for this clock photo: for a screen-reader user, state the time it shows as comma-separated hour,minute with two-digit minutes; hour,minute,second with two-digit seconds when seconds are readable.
12,05
